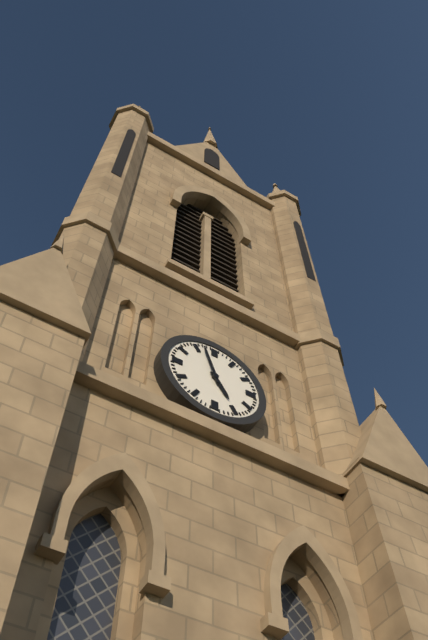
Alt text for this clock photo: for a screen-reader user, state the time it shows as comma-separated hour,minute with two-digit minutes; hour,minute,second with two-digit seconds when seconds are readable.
4,57
